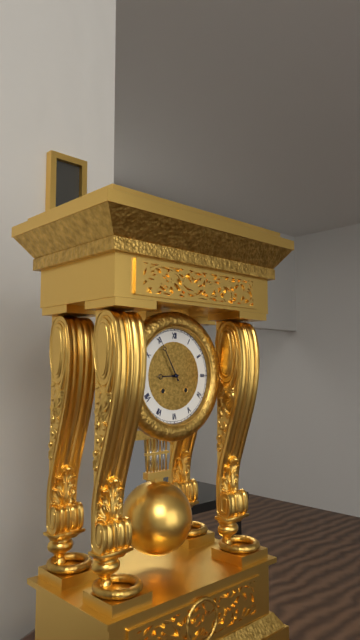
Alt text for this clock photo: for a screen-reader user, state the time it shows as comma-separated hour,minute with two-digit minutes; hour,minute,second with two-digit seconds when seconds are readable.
8,55
